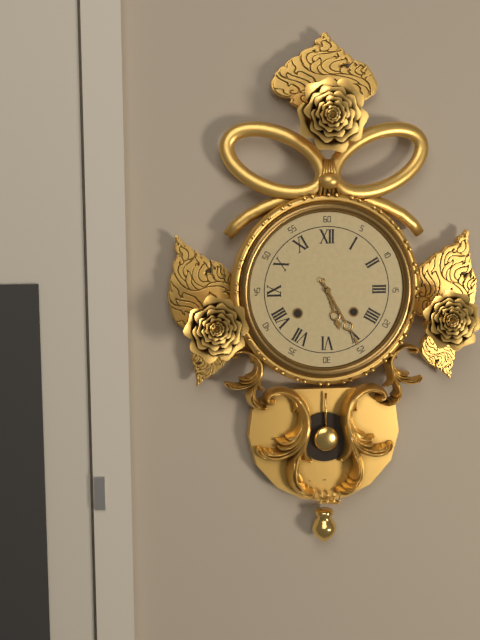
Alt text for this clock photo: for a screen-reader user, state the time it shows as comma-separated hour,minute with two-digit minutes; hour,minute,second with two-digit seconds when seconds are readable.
5,25
